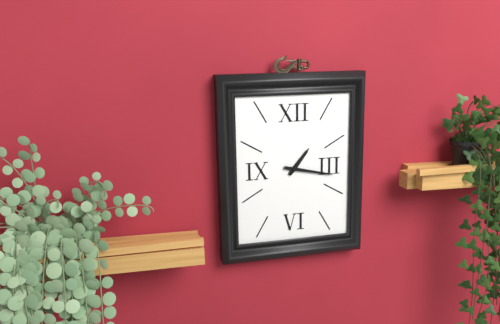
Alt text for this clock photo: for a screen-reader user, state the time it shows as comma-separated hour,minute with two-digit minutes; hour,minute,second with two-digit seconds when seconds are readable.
1,17
